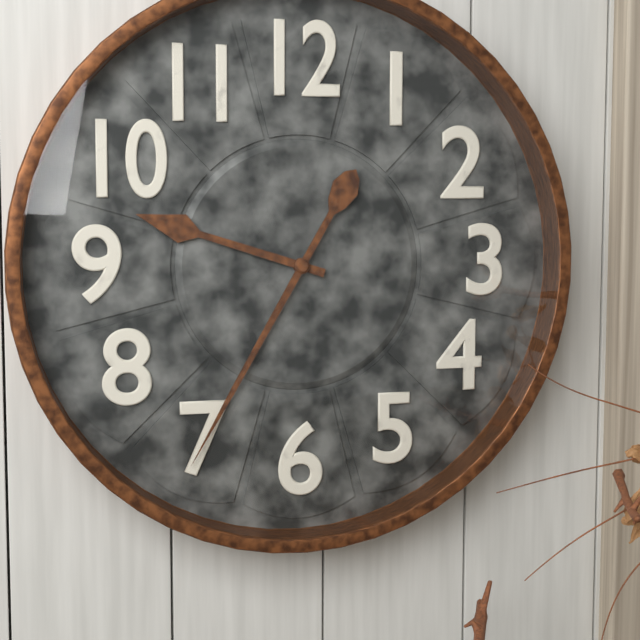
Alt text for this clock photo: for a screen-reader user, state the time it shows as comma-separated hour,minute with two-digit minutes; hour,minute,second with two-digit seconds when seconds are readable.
9,35
